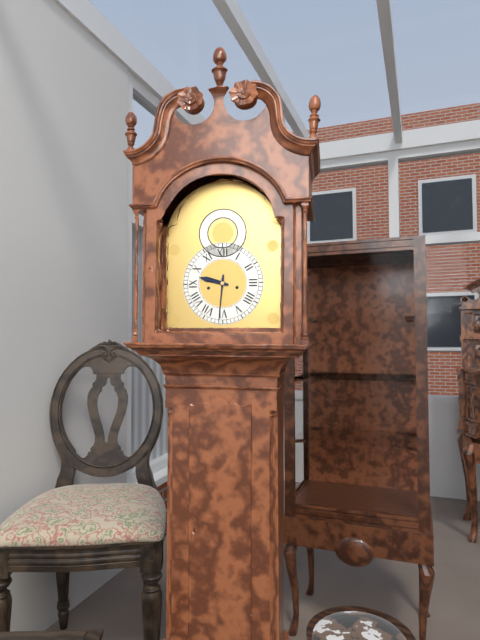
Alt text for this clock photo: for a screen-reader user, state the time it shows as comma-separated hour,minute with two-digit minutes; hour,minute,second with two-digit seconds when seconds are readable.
9,31
